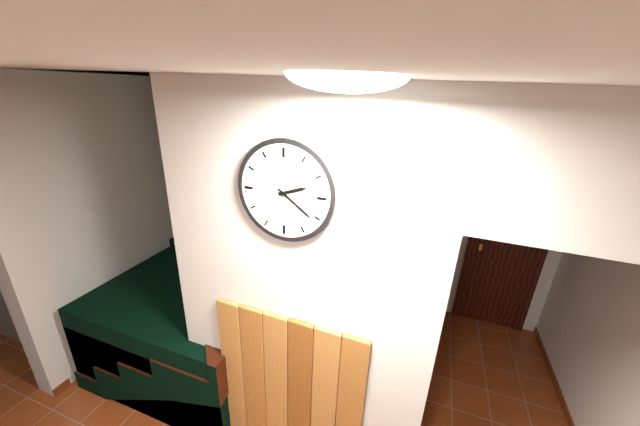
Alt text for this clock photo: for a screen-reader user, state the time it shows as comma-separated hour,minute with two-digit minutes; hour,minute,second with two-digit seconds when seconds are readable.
2,21
